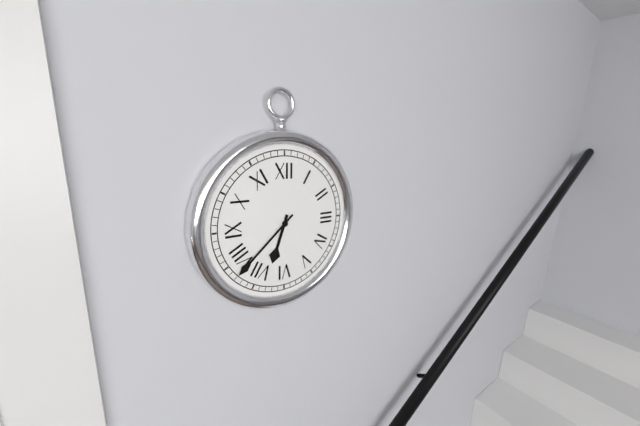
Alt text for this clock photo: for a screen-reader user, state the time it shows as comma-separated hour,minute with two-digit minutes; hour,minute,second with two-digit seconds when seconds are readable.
6,38
